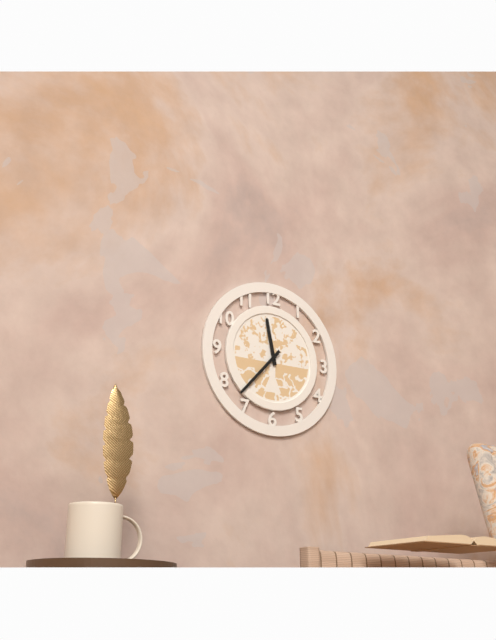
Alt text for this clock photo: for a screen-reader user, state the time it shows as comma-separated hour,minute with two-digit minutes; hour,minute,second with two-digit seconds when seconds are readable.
11,37
